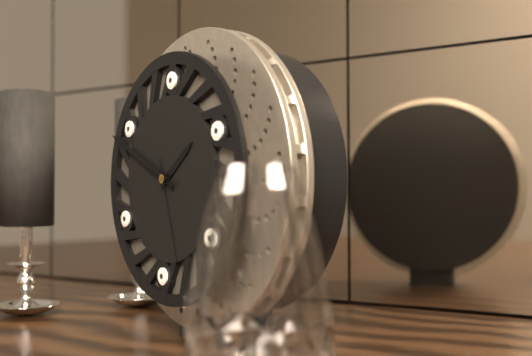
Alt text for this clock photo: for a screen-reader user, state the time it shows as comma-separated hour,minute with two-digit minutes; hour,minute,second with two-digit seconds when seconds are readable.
1,49,27
